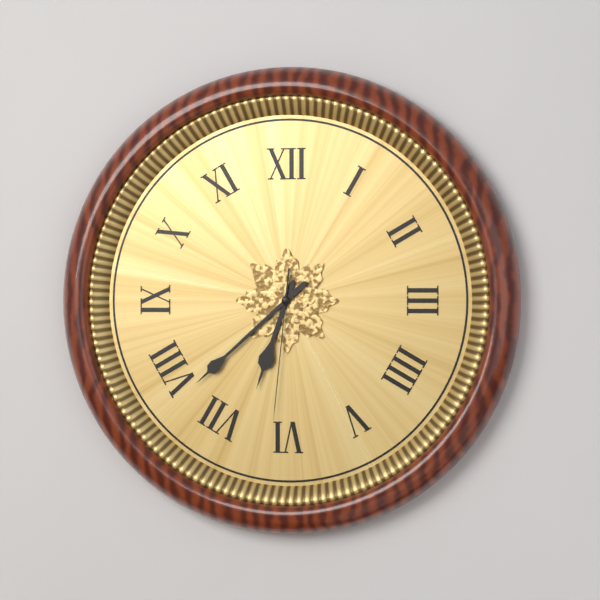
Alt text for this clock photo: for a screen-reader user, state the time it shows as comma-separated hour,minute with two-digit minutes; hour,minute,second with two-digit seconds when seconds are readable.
6,38,31
